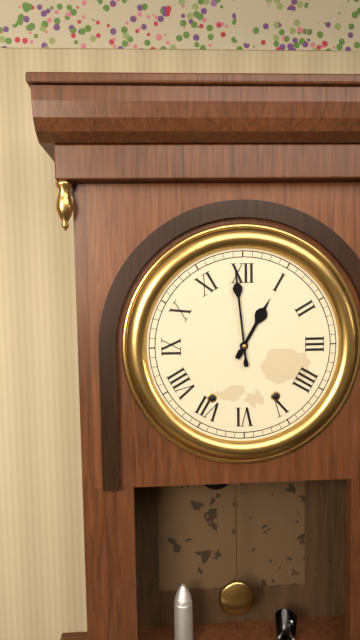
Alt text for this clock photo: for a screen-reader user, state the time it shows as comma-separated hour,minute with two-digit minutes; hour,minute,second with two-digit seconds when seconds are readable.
12,59
